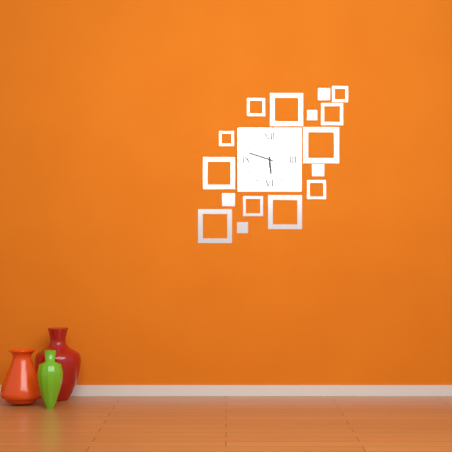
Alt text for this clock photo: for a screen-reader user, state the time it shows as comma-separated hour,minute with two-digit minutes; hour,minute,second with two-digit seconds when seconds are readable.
5,48,01
